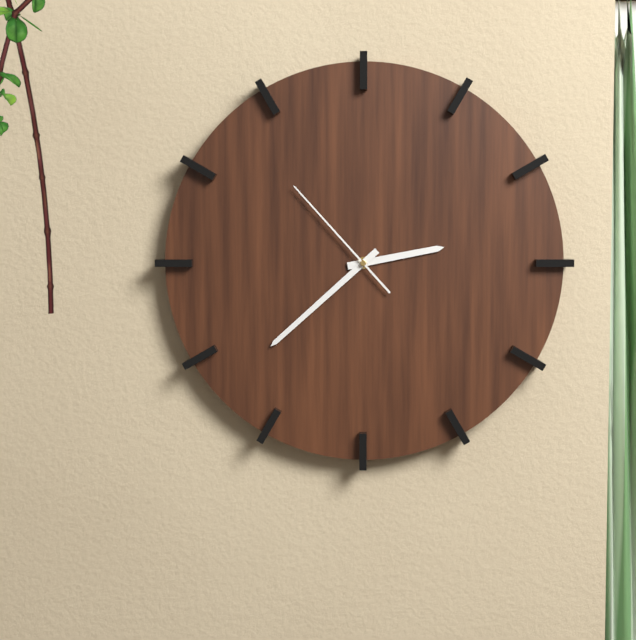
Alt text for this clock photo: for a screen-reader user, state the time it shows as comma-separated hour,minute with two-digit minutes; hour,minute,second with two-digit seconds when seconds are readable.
2,38,53
